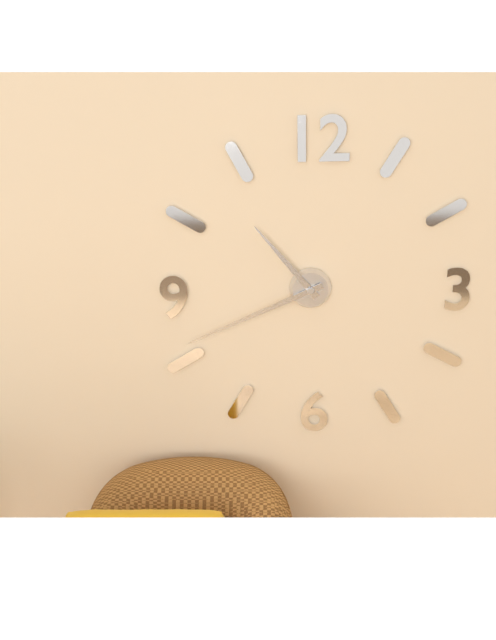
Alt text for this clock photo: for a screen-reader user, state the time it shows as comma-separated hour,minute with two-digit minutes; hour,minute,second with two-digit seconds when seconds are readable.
10,41
